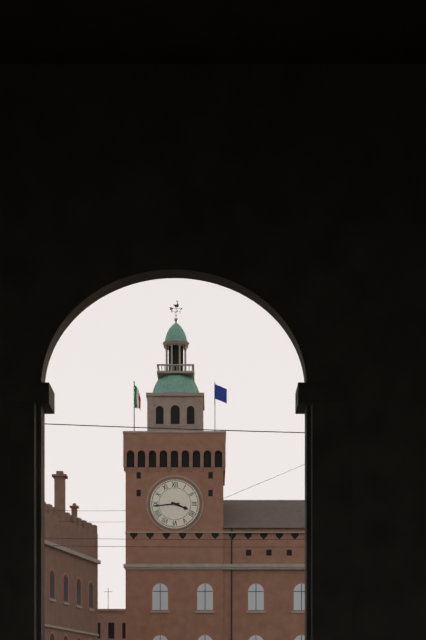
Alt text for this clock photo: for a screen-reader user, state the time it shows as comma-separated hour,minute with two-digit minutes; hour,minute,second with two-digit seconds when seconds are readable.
3,44
